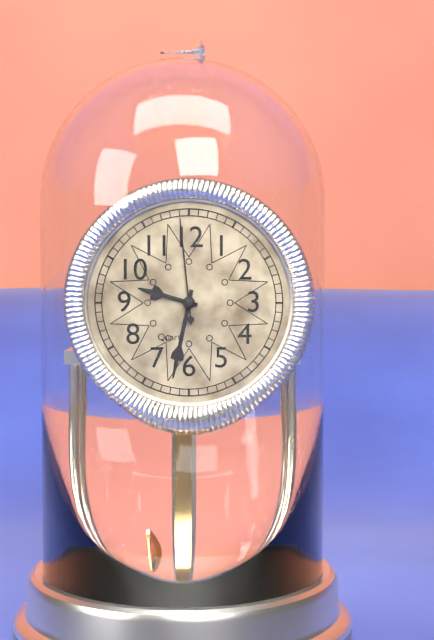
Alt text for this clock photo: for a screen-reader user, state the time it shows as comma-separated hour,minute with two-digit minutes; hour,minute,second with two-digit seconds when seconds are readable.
9,32,59
